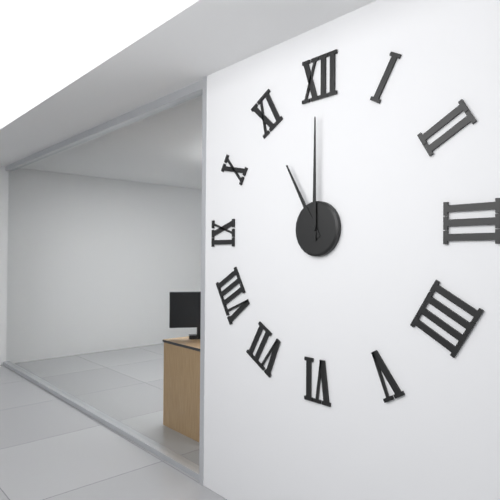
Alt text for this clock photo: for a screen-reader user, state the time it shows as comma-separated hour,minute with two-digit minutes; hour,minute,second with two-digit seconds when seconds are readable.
11,00
